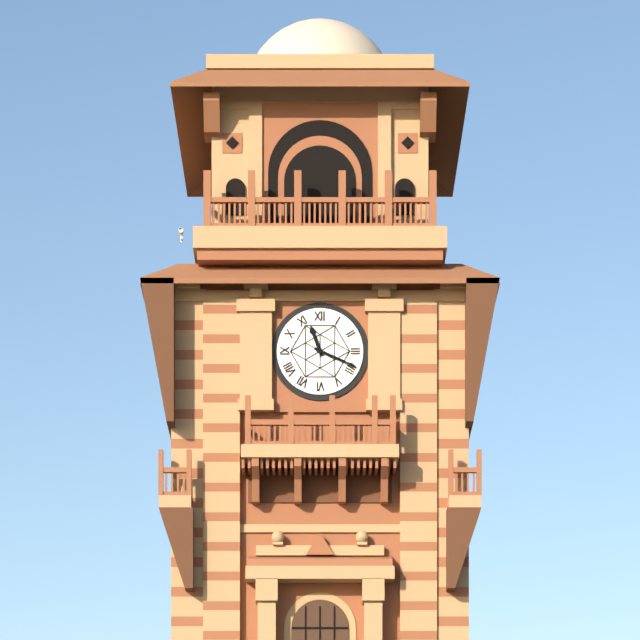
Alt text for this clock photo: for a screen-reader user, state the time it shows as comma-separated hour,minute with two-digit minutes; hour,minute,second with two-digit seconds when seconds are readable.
11,19
